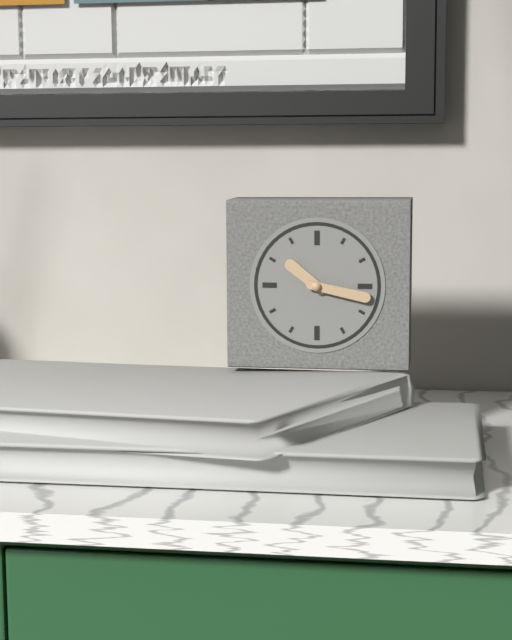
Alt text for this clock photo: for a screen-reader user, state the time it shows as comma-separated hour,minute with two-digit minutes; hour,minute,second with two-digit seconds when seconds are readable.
10,17
